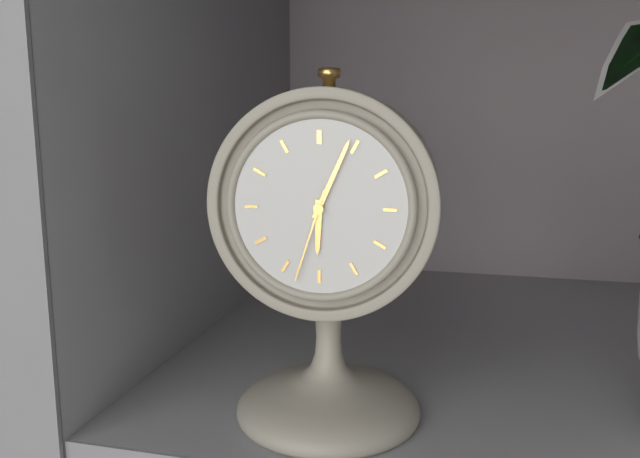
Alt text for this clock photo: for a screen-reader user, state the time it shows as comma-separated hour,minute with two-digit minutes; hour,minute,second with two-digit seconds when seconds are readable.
6,04,33
